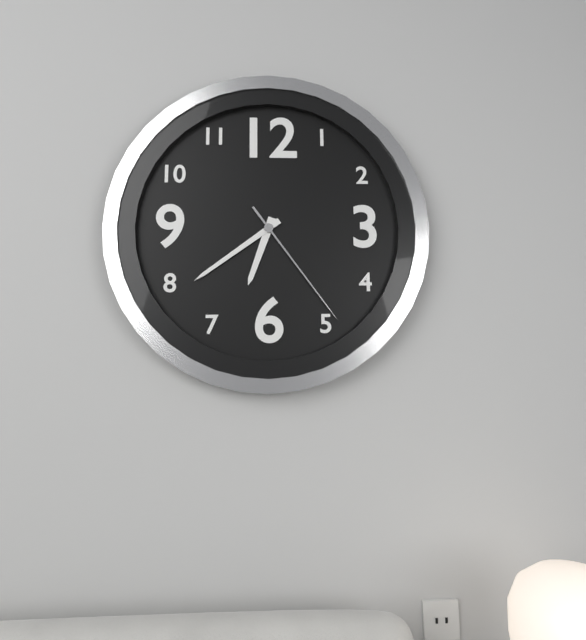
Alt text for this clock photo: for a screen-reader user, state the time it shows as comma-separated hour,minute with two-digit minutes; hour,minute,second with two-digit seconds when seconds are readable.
6,39,24
